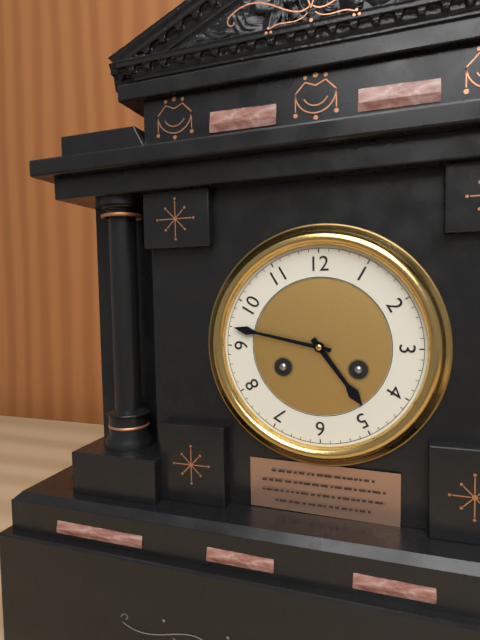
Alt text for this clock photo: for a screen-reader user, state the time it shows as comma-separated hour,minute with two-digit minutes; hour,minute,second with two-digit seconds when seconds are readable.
4,47
